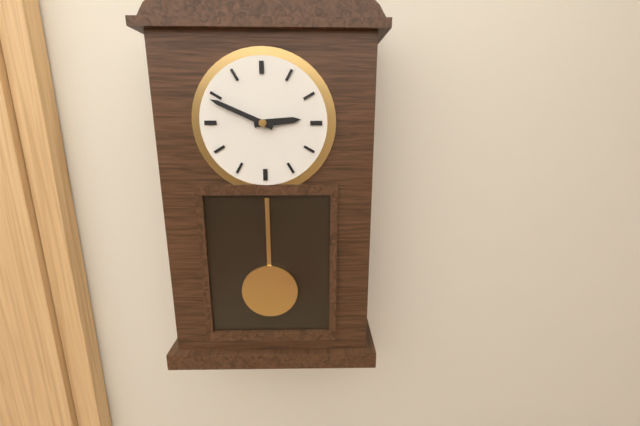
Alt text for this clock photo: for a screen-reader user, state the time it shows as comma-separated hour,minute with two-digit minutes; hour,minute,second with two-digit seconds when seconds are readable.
2,49
